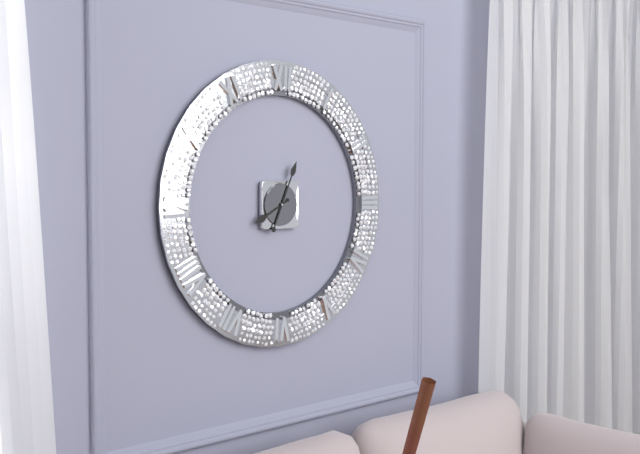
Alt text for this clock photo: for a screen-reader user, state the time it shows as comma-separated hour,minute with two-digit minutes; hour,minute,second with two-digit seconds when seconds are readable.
8,04
